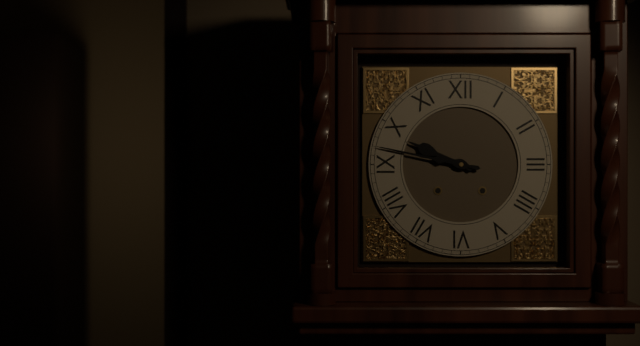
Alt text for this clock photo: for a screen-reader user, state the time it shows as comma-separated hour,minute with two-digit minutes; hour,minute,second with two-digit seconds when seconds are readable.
9,47
